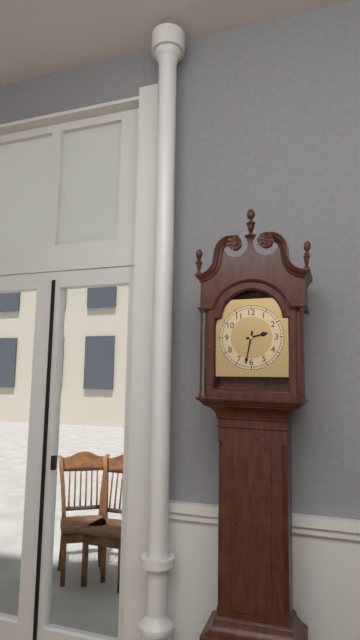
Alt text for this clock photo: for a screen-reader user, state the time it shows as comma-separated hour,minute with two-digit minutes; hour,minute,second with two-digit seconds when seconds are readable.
2,32
